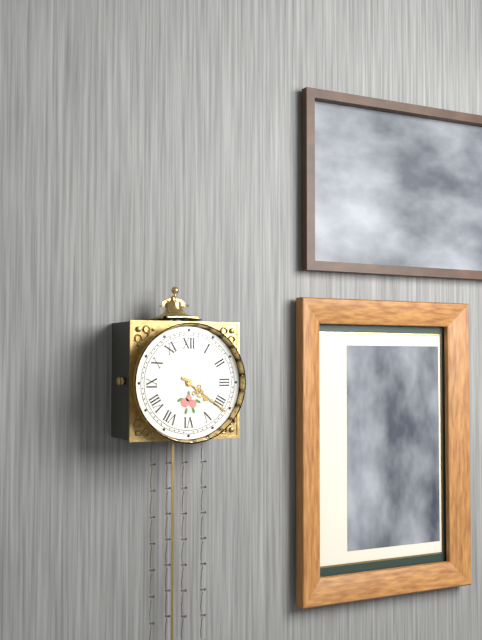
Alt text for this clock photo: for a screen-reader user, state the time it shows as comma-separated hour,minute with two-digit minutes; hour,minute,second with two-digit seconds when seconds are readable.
4,21
